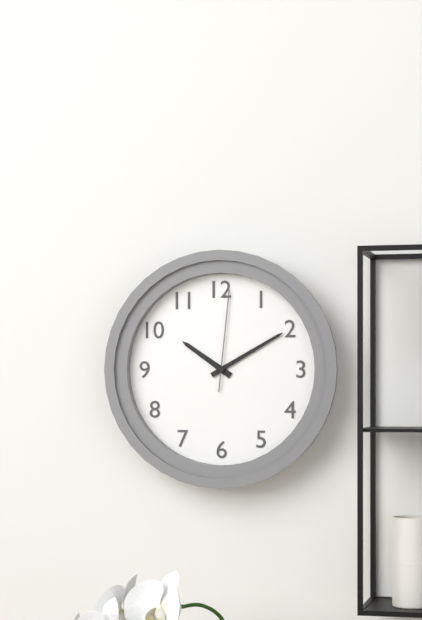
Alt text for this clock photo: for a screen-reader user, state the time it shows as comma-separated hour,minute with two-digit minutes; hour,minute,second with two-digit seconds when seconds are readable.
10,10,01
